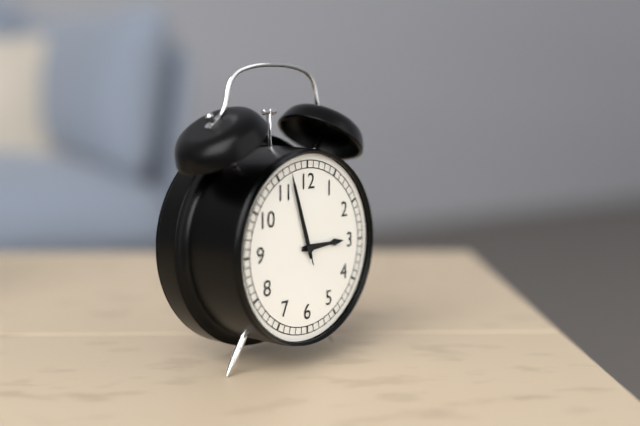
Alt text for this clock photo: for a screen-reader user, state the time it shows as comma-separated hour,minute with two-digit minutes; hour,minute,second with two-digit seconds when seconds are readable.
2,57,57
